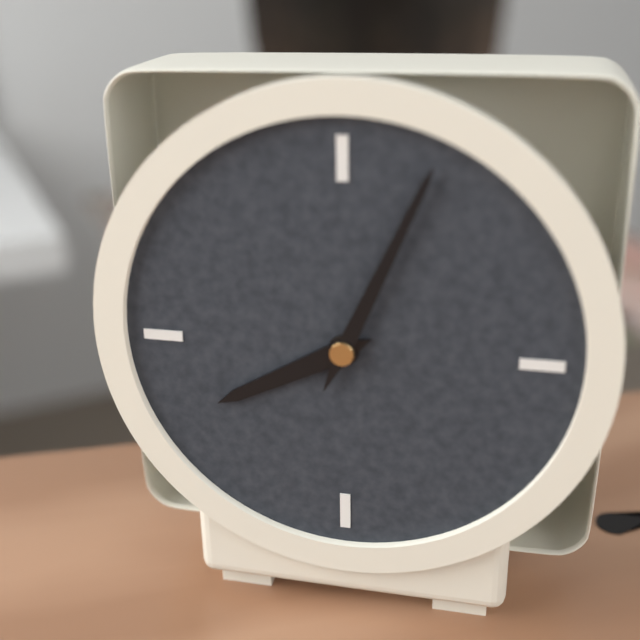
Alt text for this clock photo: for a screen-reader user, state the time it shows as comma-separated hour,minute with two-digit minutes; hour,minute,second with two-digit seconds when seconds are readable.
8,04
